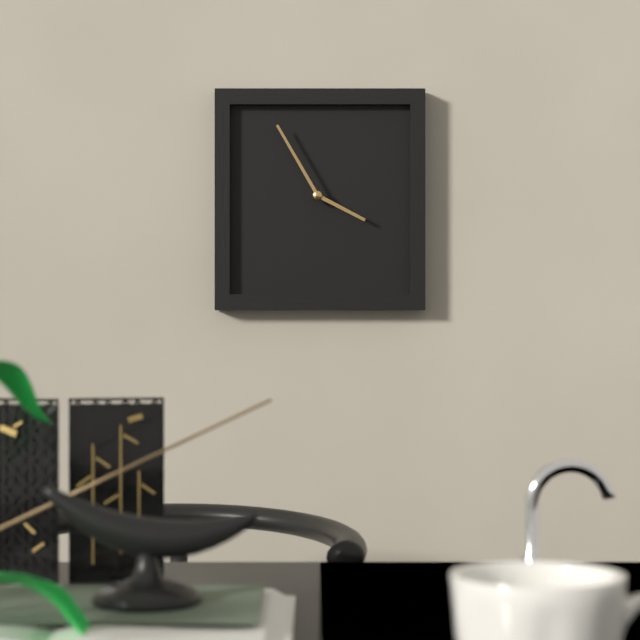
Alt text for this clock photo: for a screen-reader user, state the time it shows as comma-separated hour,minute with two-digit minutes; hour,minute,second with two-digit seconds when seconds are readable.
3,55
